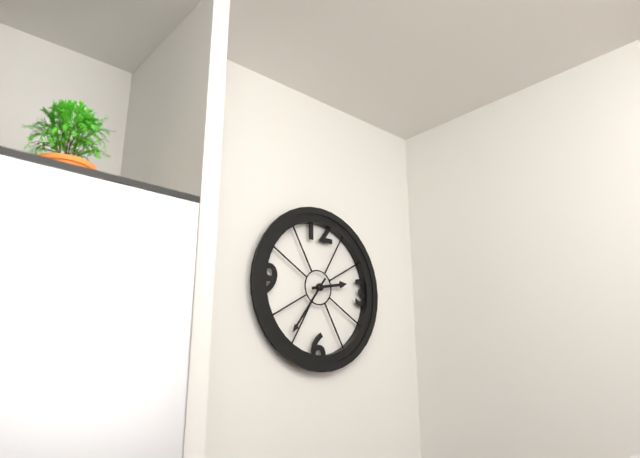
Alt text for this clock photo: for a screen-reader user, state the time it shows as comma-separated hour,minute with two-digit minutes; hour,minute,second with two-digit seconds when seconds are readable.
2,36
